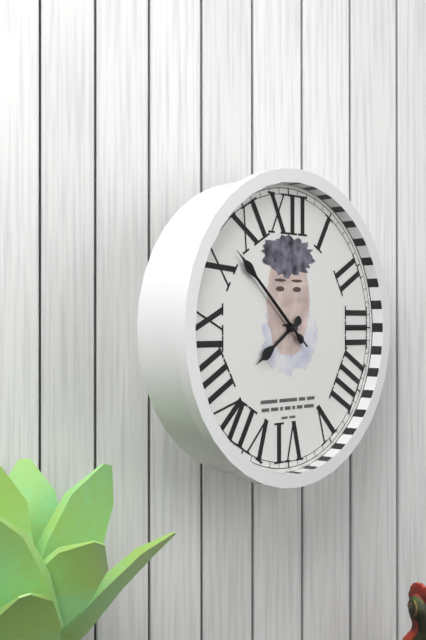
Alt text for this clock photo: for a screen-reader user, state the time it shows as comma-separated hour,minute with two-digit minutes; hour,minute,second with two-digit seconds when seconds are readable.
7,52,52
